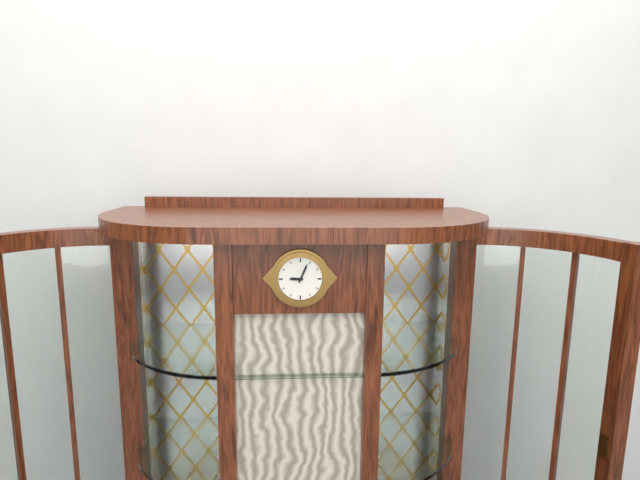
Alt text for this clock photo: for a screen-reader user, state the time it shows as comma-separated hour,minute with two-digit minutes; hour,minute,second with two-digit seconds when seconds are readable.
9,04
